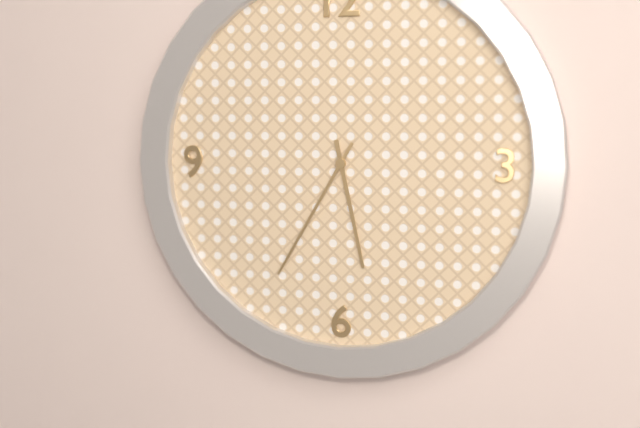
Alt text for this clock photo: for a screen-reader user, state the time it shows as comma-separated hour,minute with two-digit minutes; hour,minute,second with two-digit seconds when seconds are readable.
5,35
